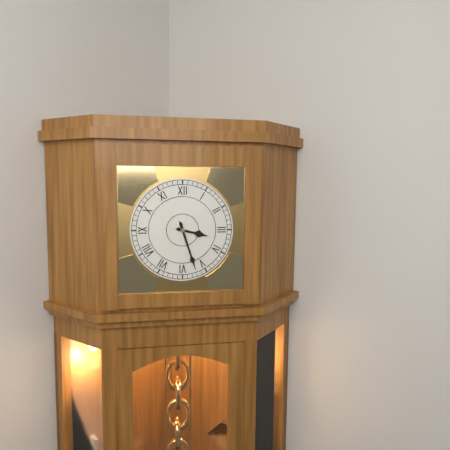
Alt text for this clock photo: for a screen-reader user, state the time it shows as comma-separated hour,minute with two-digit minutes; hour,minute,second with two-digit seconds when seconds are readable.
3,27
